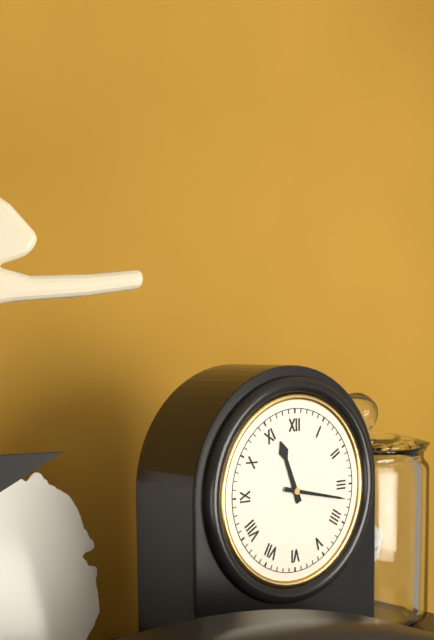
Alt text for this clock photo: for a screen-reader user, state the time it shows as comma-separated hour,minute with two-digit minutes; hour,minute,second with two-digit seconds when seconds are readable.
11,17
